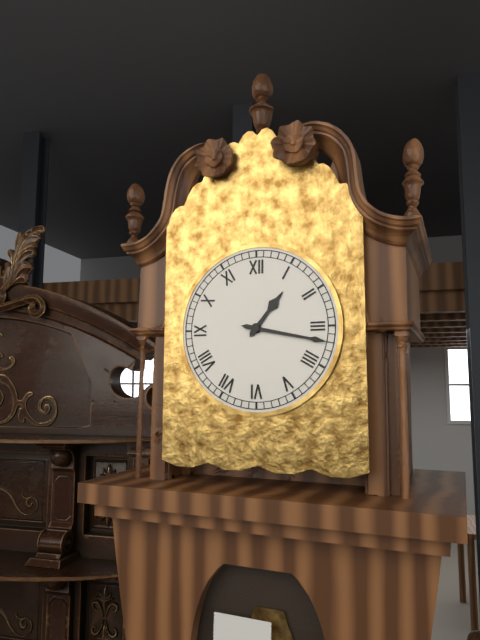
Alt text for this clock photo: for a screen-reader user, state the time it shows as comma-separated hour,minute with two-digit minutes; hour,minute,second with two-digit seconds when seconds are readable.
1,17
